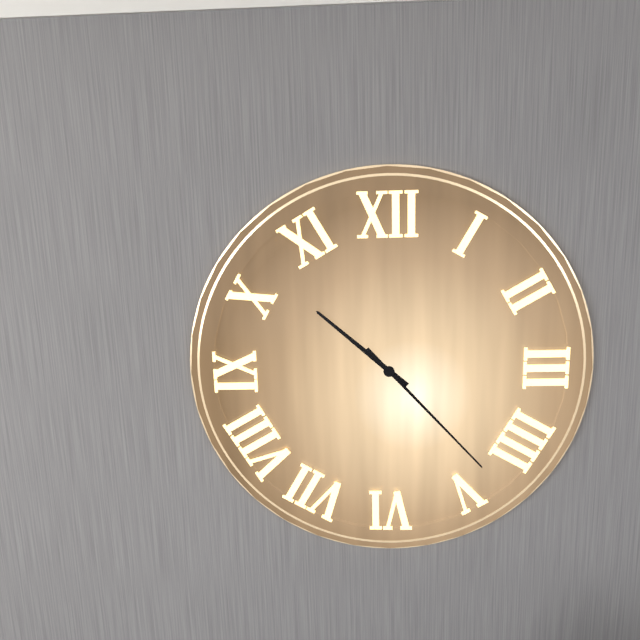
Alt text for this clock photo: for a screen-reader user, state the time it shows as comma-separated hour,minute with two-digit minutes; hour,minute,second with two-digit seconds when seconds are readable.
10,23
